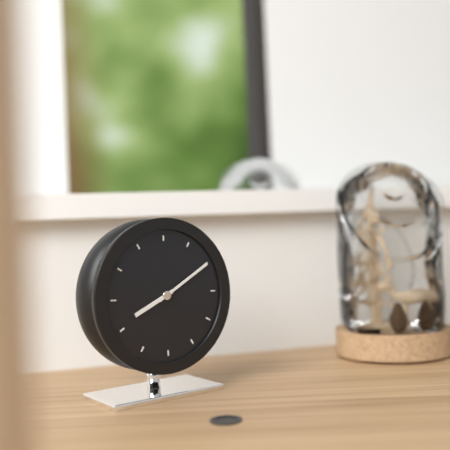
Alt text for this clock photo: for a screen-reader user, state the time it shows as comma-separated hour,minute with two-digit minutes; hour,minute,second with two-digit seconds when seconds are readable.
8,10
